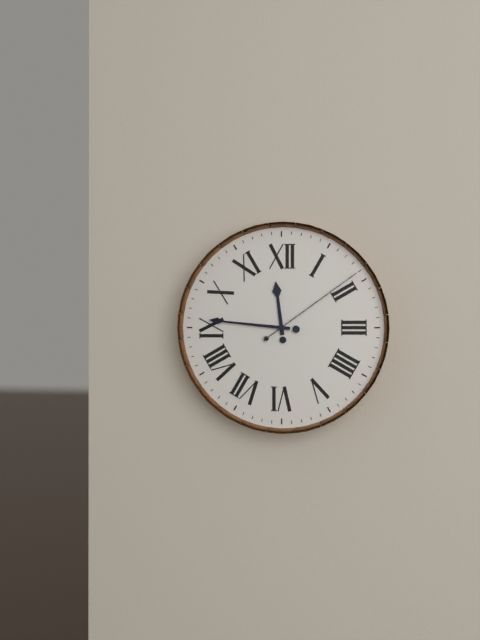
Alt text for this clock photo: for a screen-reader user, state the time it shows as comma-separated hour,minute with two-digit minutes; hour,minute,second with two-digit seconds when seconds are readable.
11,46,09
